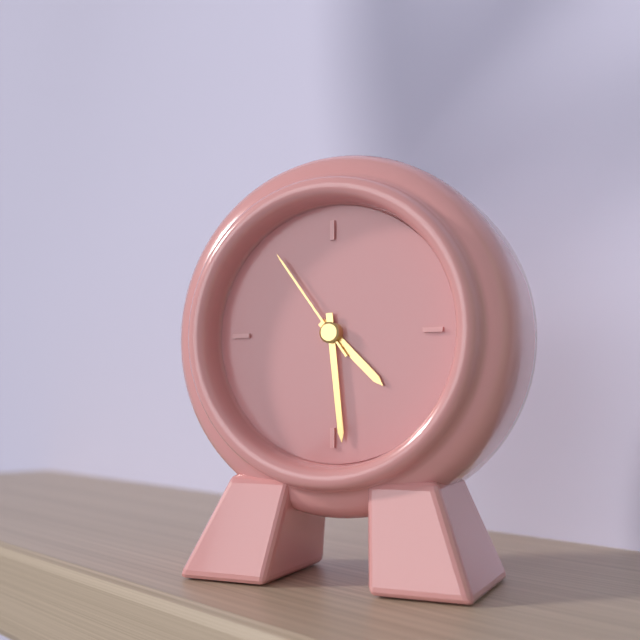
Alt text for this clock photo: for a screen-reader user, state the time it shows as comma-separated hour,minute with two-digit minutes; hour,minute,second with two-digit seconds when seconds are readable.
4,29,54
